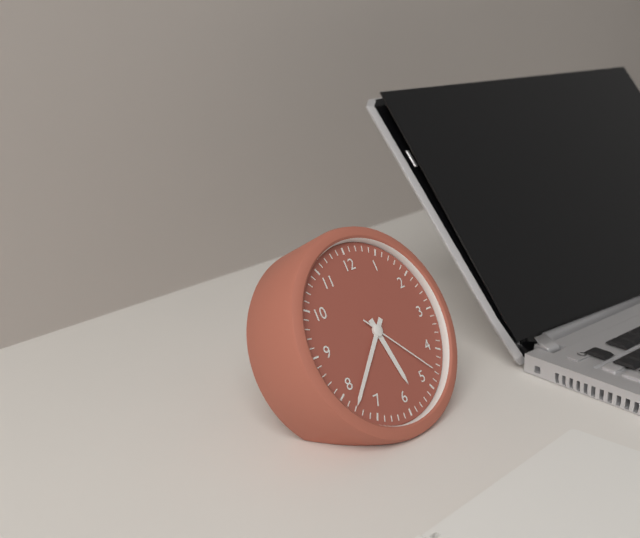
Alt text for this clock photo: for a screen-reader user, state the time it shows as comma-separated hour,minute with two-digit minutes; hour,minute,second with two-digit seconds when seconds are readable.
5,38,23
